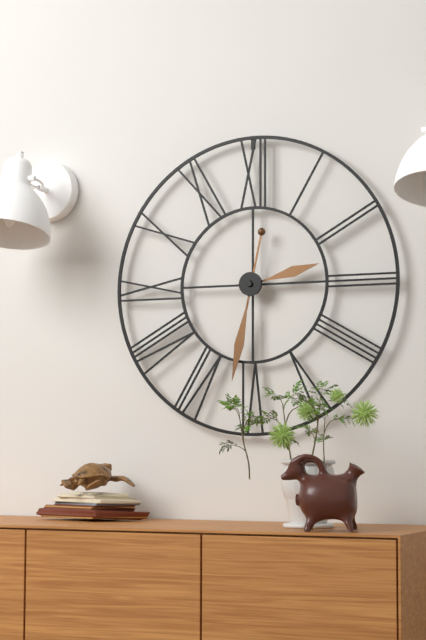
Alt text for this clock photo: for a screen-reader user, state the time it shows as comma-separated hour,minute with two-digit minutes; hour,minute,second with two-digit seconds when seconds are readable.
2,32
